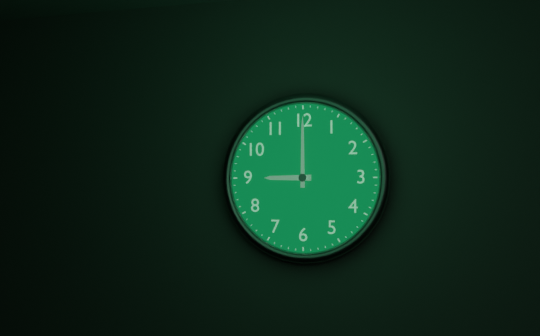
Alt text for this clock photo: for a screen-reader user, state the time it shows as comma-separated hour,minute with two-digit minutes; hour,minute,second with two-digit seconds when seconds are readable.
9,00
